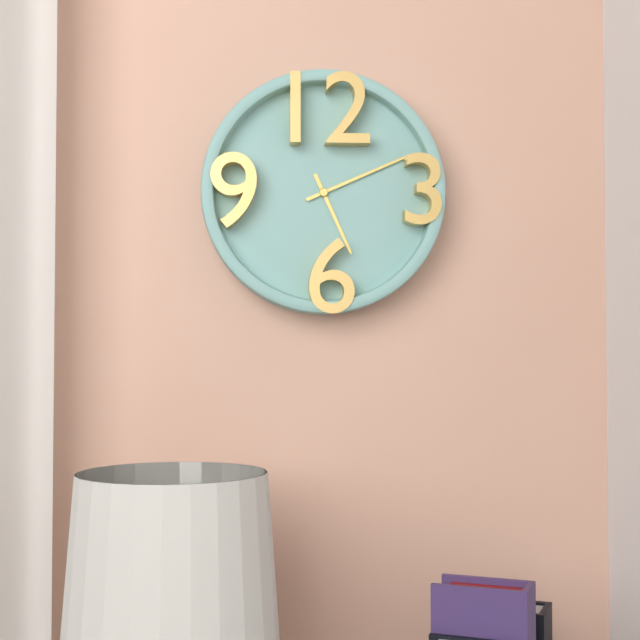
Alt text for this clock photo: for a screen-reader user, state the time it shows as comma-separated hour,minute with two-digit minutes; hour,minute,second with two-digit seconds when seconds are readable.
5,11
